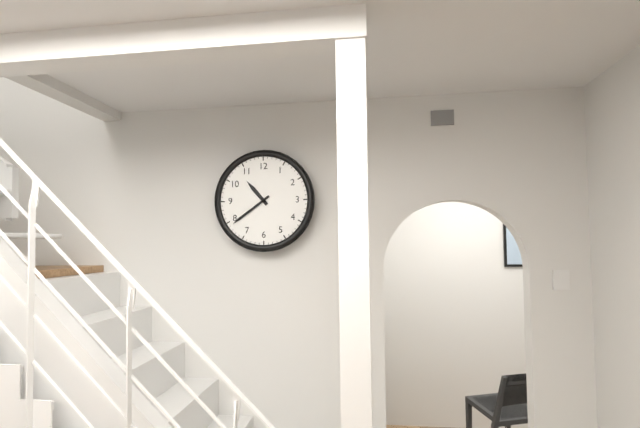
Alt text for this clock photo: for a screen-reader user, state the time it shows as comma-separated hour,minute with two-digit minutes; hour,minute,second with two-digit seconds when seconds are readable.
10,39
